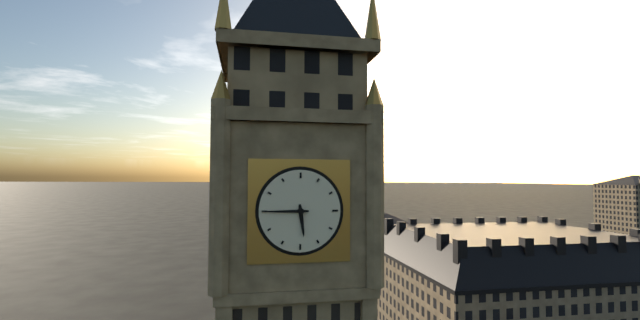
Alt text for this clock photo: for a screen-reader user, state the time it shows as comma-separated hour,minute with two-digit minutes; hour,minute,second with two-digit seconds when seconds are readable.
5,45
